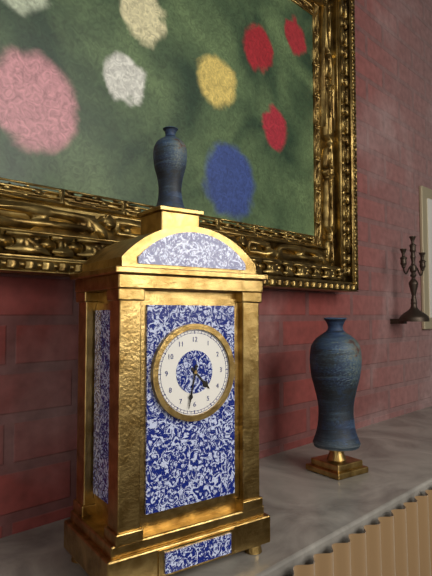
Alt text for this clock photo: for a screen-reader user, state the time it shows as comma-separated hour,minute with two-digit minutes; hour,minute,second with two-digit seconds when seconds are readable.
4,32
